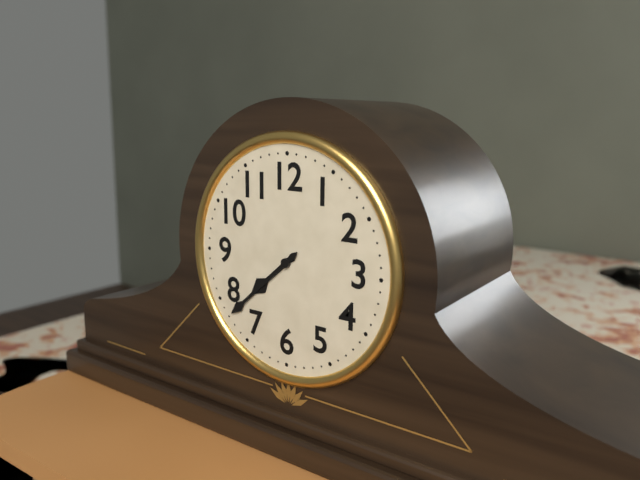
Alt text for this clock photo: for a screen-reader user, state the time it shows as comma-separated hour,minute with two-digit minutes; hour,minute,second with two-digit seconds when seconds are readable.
7,38
